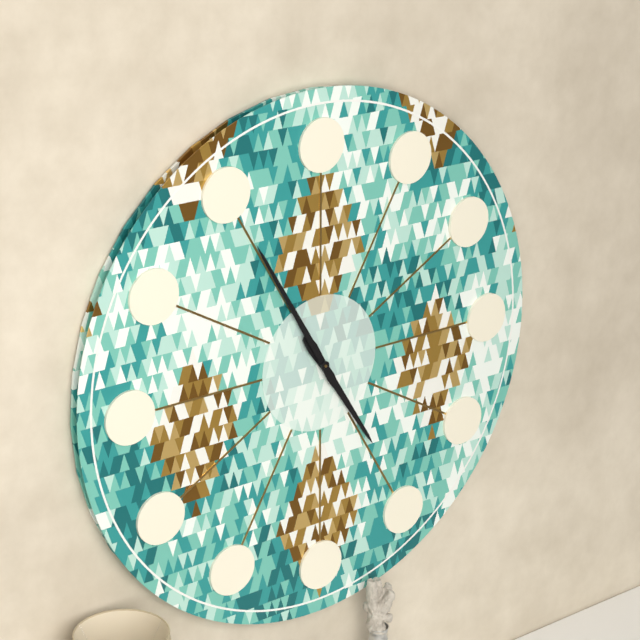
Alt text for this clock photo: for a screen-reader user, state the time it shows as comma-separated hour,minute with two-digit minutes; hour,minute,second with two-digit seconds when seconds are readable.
4,55
